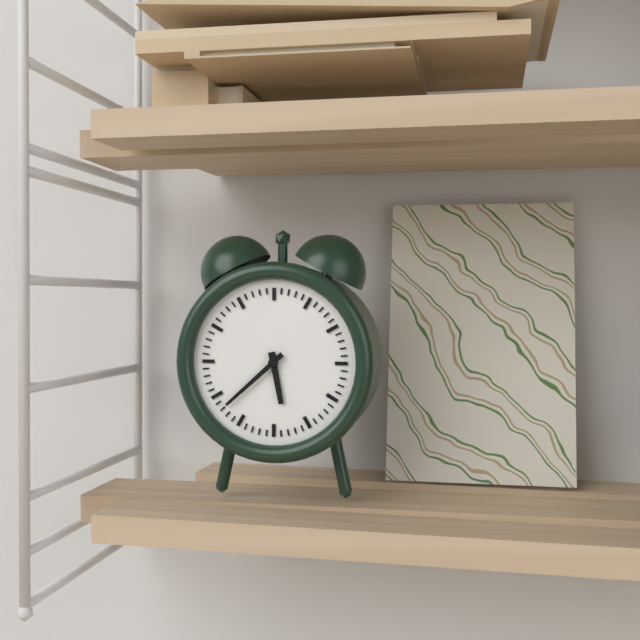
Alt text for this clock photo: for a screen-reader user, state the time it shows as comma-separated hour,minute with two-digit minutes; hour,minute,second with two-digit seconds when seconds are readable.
5,38
